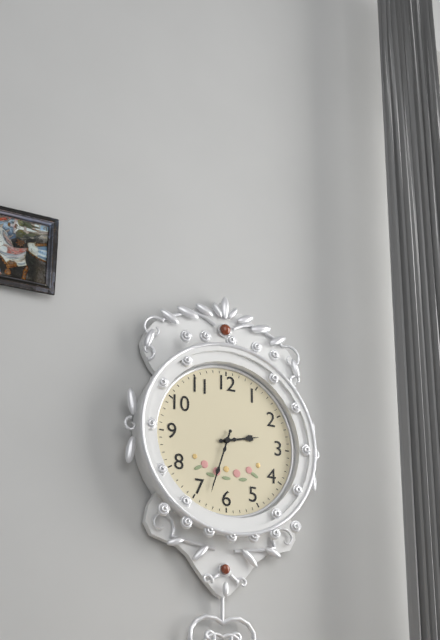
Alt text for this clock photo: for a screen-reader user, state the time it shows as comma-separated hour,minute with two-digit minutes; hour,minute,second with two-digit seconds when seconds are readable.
2,33
